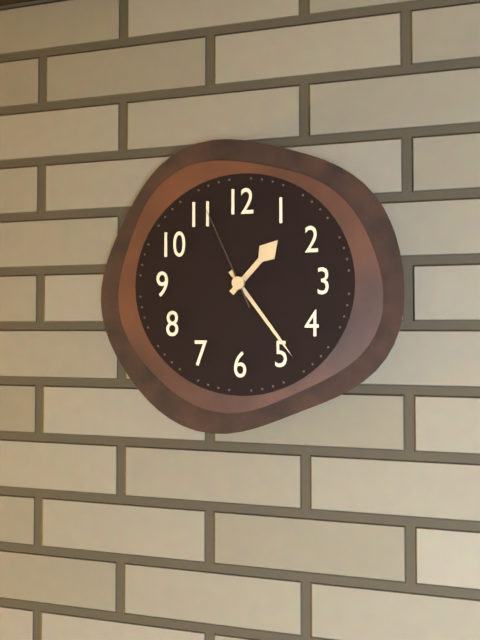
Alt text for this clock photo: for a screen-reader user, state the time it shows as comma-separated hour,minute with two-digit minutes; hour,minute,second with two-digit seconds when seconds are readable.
1,24,56
